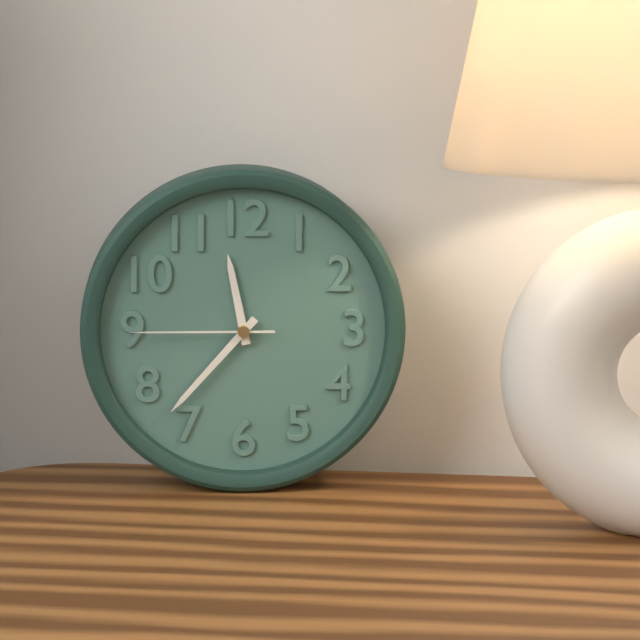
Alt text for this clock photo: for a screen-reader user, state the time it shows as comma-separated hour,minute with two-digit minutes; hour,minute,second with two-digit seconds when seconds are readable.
11,37,45
